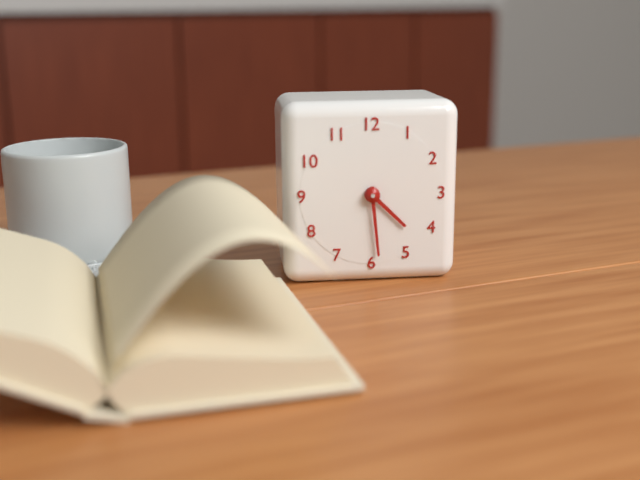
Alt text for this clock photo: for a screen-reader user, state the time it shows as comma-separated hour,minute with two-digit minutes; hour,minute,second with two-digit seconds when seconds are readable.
4,29
